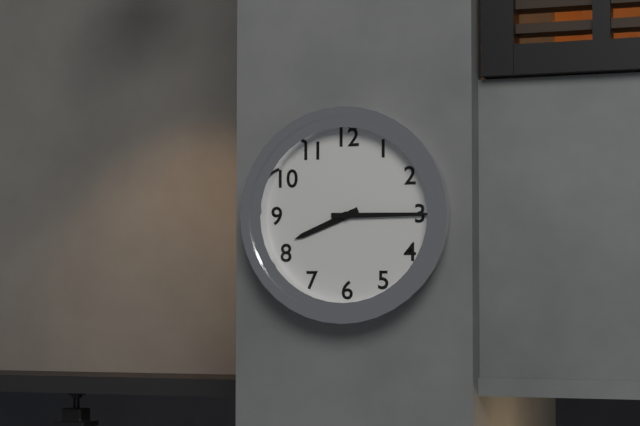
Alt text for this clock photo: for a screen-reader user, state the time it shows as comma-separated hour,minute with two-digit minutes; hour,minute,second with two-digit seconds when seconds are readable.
8,15
